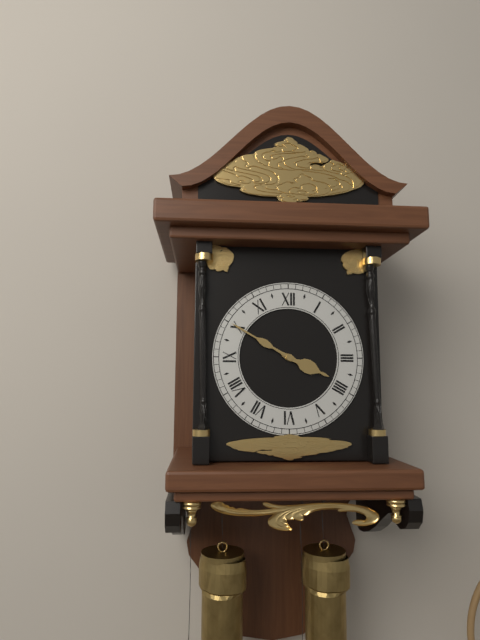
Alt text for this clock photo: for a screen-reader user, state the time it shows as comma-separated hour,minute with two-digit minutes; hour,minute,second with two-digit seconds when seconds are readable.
3,50
